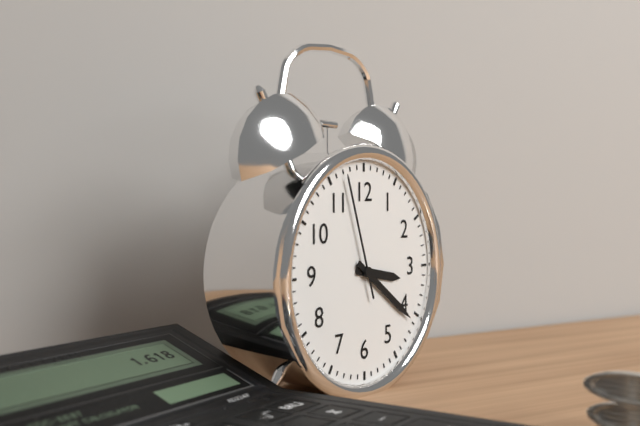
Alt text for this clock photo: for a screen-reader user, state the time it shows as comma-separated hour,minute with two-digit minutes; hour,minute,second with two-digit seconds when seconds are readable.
3,21,57
